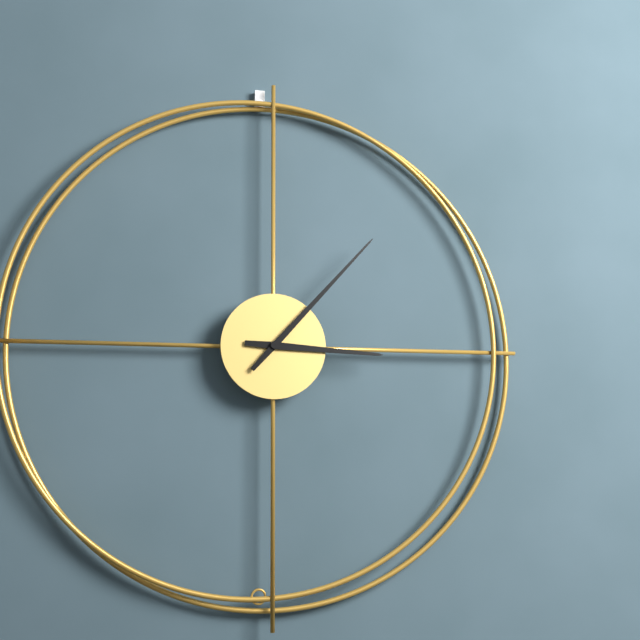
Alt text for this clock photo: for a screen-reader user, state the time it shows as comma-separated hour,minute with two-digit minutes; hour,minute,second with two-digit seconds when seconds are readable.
3,07
